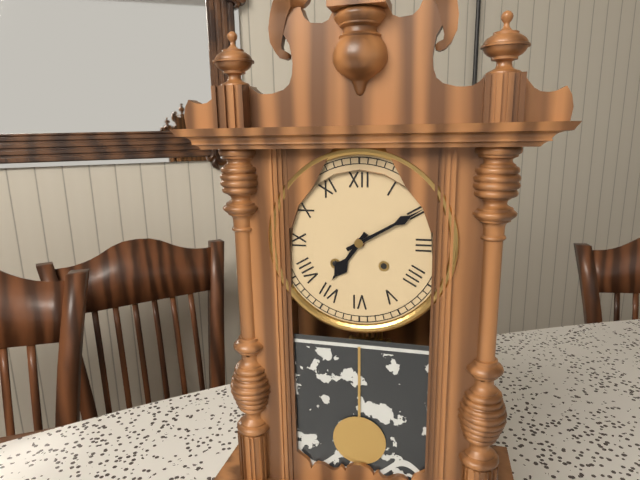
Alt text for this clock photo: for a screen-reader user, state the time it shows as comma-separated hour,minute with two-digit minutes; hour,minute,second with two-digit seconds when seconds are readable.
7,10
